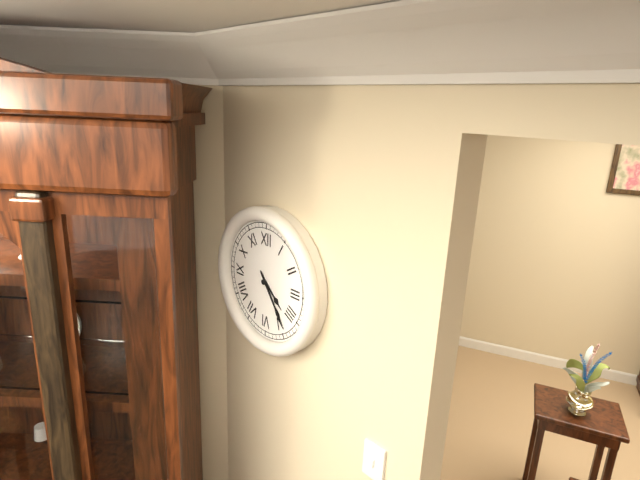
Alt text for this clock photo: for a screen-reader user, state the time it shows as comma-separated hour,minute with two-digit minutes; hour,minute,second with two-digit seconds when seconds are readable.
4,24
